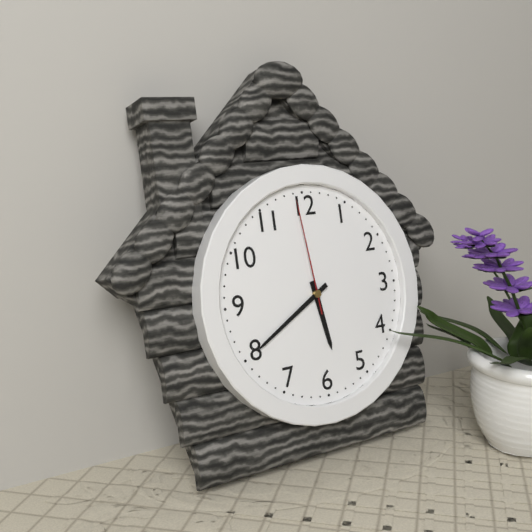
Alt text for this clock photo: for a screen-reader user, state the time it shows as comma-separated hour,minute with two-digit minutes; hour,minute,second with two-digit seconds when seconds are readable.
5,40,59
